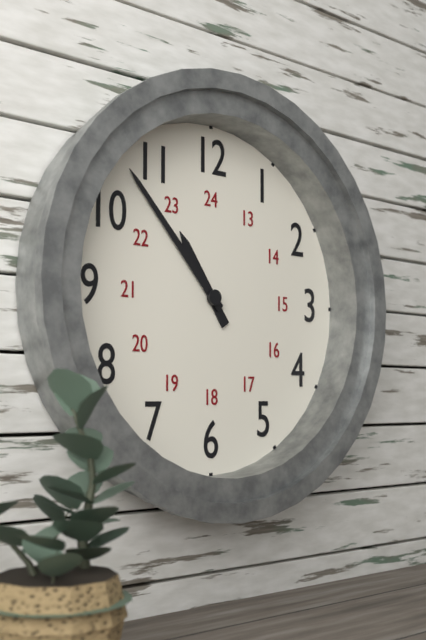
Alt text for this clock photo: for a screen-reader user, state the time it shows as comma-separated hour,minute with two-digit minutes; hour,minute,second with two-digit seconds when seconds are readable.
10,53
